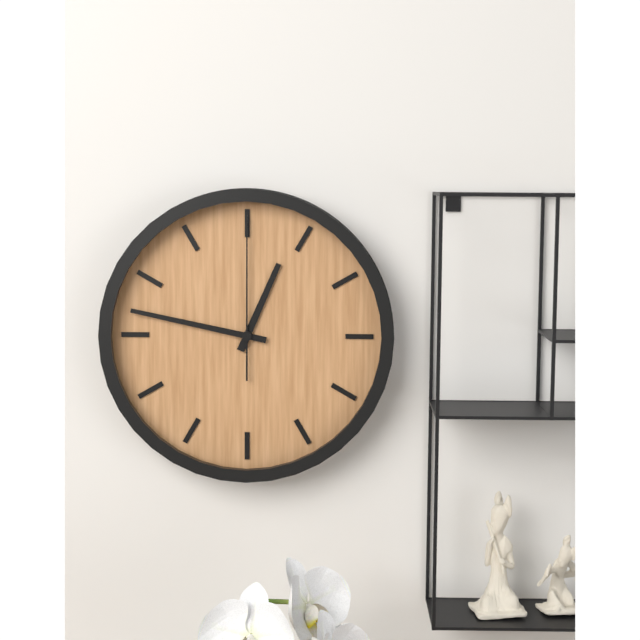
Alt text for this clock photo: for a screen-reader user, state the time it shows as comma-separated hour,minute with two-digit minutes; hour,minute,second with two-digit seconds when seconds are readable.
12,47,00
